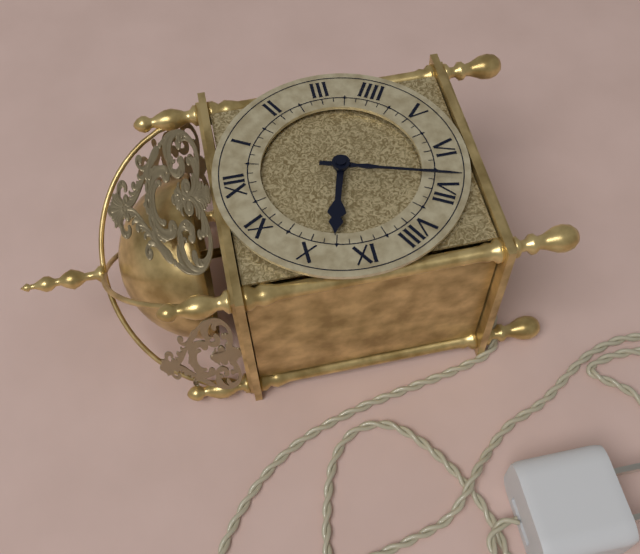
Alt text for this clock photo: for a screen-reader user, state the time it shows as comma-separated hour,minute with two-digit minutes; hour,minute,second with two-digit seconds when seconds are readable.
9,33
